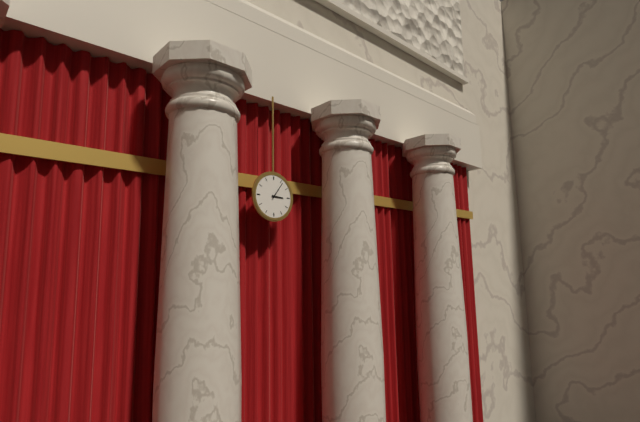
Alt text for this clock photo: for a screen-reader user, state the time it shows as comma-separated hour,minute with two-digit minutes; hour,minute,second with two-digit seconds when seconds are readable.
3,06
